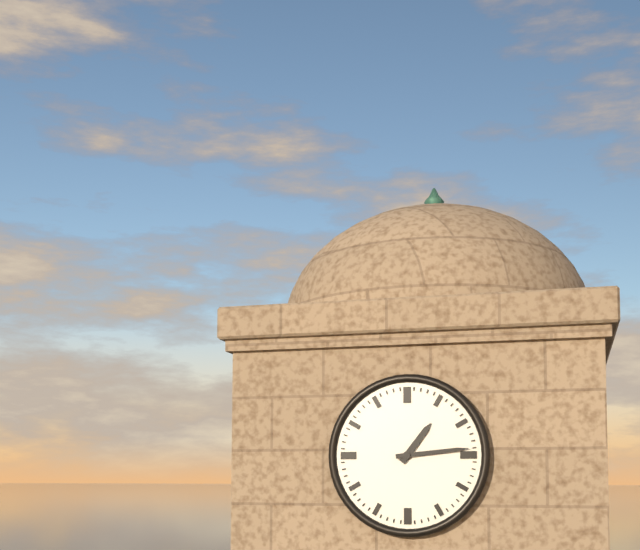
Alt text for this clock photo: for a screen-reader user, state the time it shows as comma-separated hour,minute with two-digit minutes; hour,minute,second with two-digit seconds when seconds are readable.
1,14
